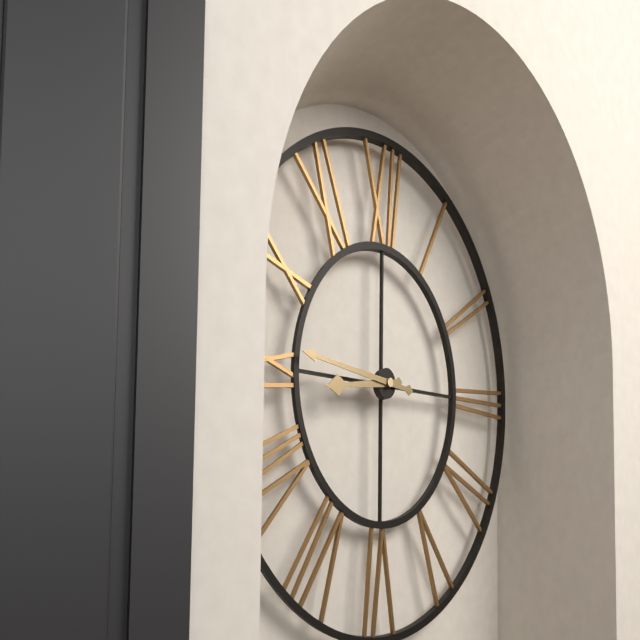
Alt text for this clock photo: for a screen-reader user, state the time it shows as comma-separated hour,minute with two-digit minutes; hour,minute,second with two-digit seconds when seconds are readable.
8,46
